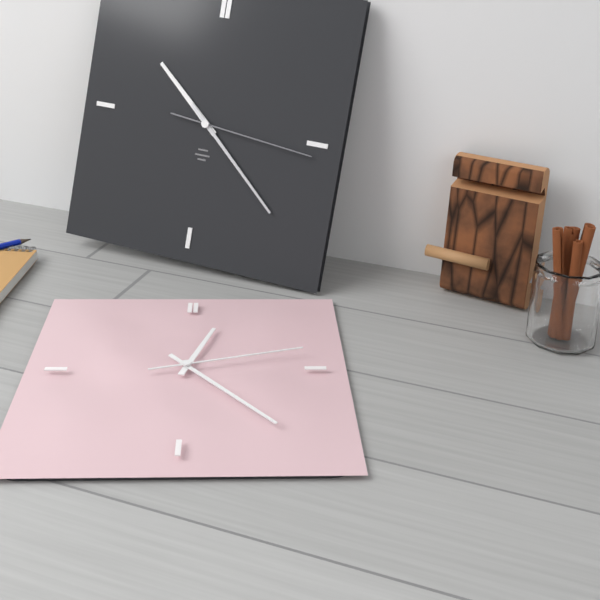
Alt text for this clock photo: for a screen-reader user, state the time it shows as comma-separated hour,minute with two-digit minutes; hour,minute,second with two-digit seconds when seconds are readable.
10,22,16
